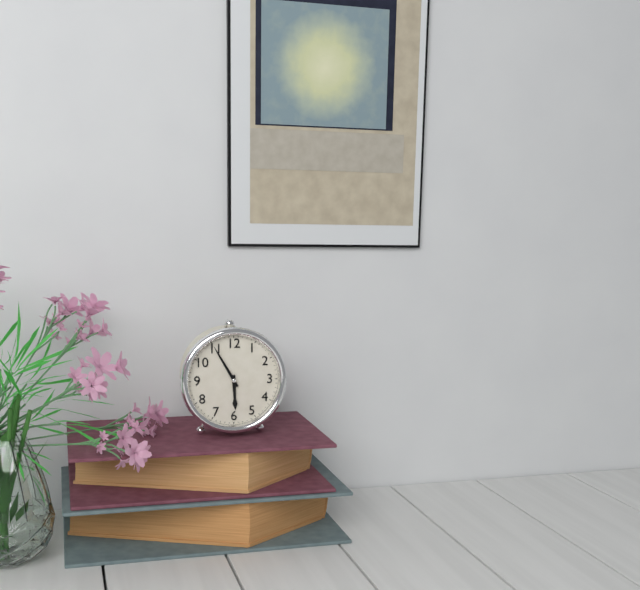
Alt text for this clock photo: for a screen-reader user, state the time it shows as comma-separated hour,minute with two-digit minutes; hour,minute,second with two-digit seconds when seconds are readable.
5,55
